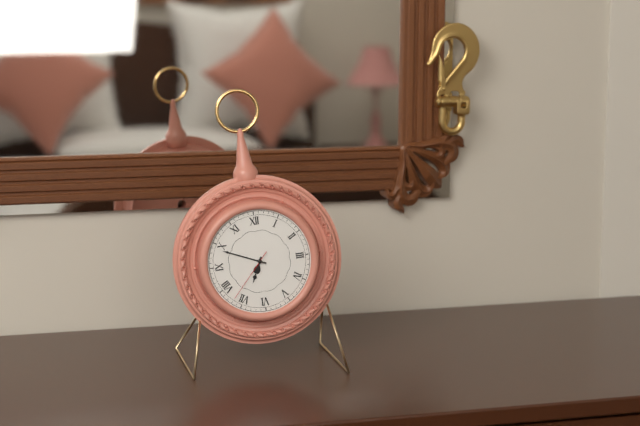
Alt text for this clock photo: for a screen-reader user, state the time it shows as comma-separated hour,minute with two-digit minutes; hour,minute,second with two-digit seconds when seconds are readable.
6,49,37
